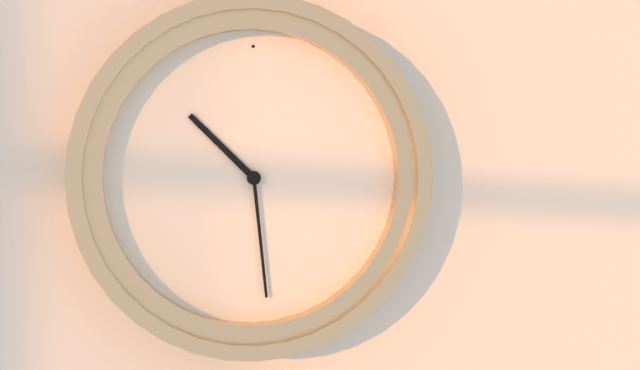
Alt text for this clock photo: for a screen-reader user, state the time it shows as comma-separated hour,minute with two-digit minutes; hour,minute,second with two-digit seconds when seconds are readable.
10,29
